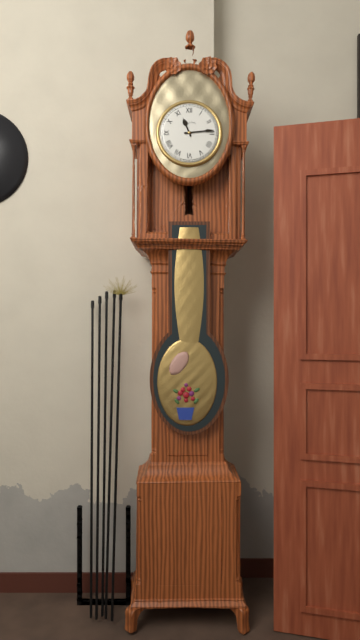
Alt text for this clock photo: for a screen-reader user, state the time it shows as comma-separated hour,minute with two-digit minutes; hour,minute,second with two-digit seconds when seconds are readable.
11,14
